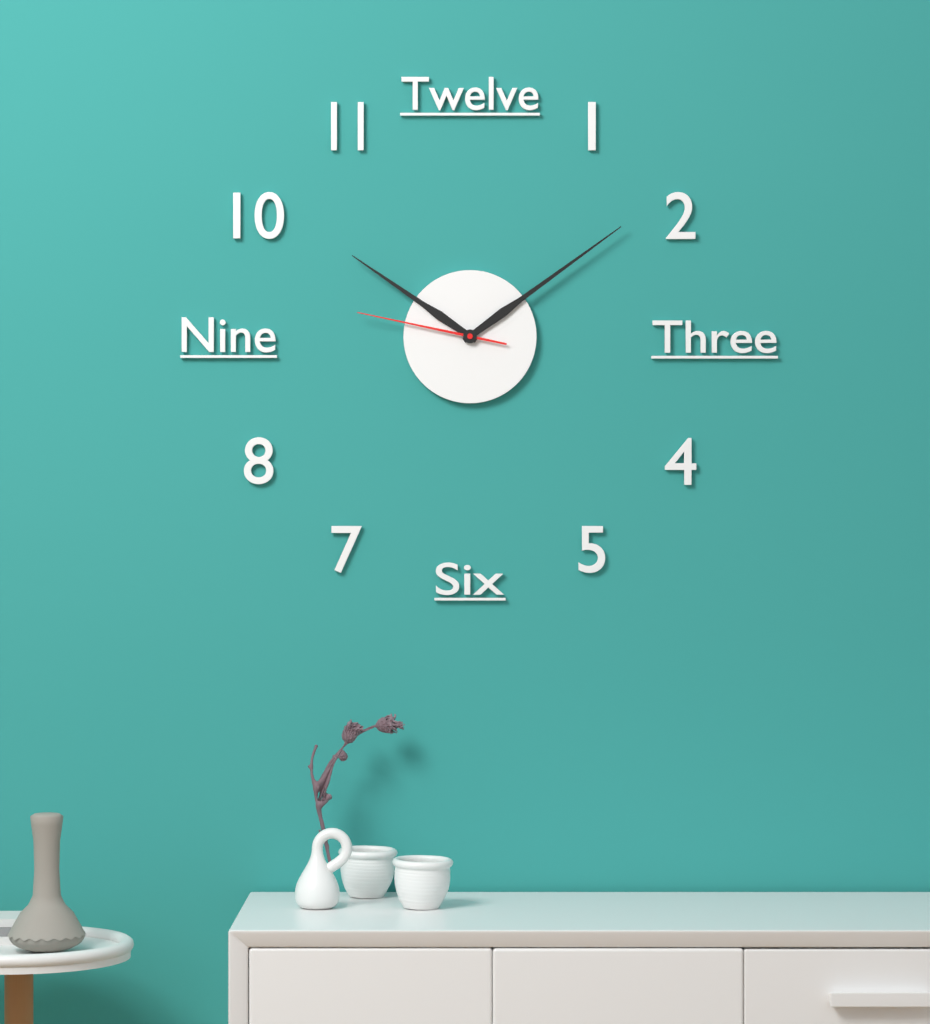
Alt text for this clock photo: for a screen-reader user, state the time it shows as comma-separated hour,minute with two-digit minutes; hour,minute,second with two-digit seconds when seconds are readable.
10,09,47
